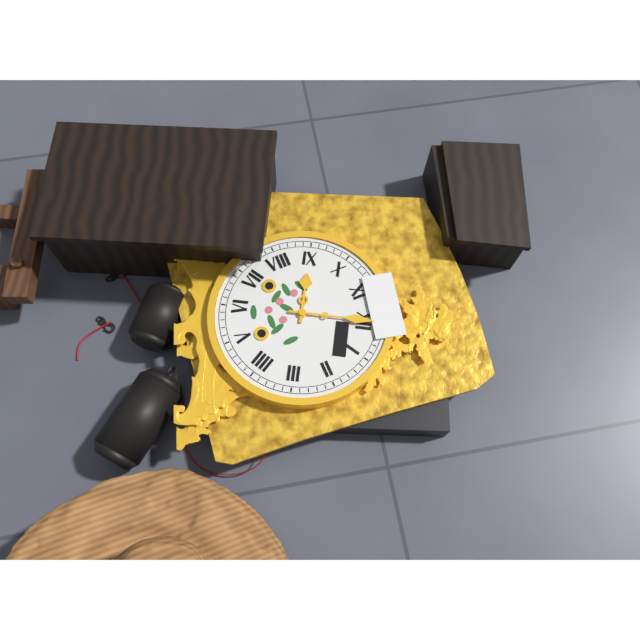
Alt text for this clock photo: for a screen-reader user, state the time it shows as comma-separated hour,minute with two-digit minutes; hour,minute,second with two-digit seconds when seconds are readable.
9,00
